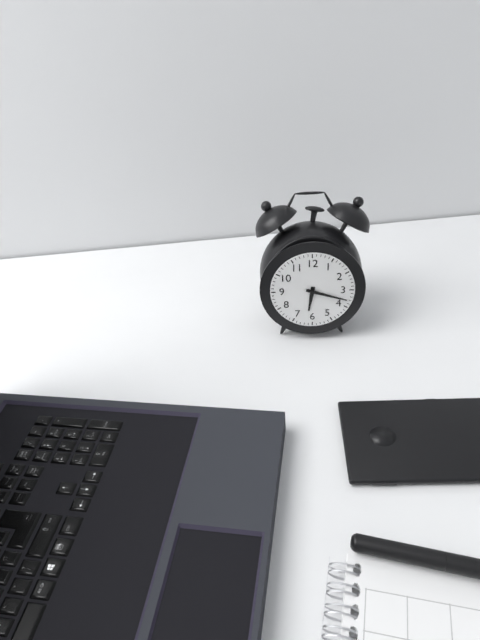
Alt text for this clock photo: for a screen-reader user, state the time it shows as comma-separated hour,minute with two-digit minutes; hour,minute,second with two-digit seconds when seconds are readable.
6,18
